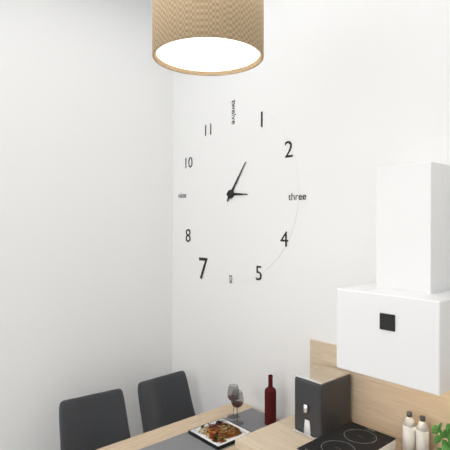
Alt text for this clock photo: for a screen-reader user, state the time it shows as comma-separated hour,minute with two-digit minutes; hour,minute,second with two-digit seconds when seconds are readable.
3,06
